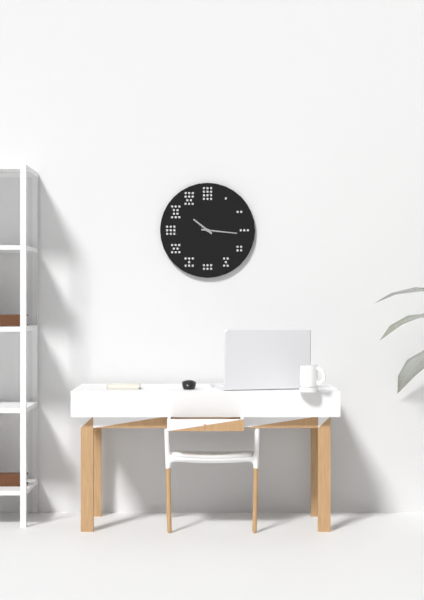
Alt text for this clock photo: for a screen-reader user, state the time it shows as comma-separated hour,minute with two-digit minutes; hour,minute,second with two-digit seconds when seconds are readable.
10,16
